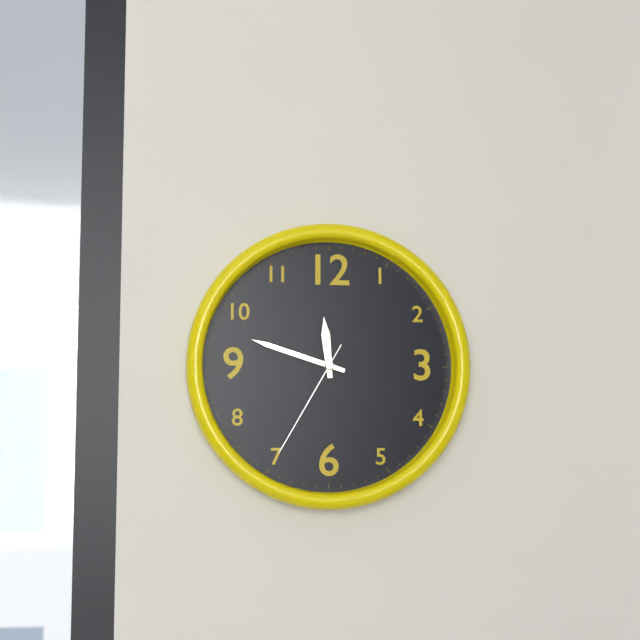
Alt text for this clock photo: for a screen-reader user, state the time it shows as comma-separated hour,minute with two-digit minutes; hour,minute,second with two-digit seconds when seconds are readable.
11,48,35
